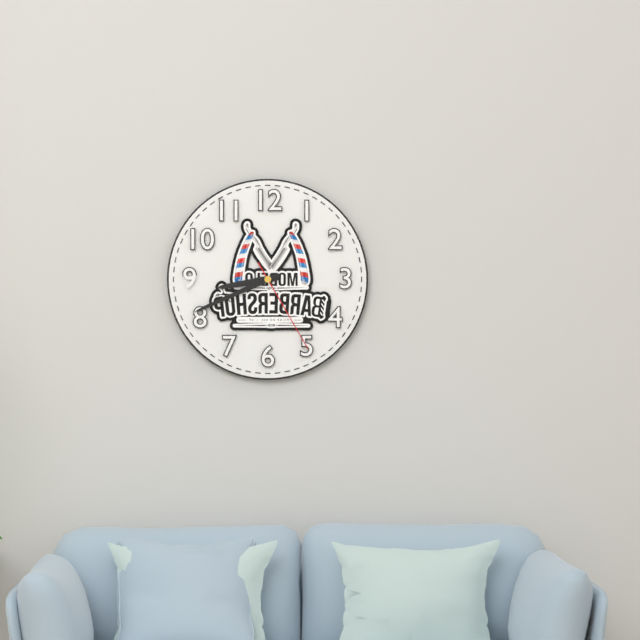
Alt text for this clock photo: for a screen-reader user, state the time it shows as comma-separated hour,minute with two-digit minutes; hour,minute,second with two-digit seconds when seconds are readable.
8,41,25
